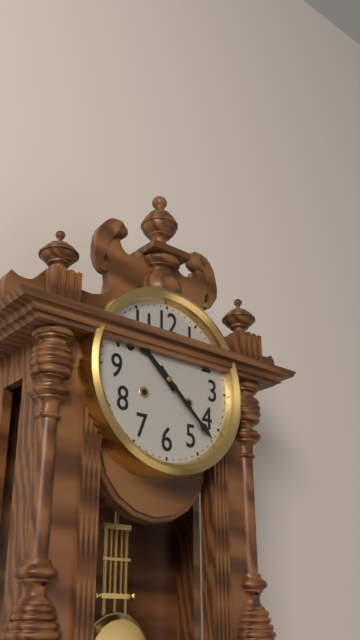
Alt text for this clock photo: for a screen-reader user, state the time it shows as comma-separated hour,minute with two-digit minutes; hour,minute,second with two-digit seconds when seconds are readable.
10,22
